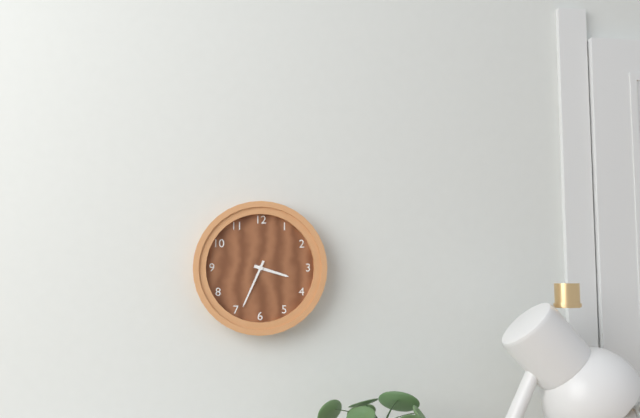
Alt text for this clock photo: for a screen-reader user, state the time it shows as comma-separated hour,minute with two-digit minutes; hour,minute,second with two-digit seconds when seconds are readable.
3,34
